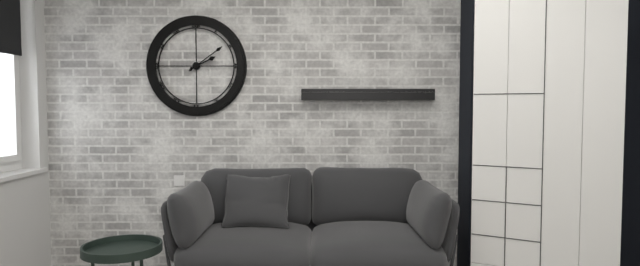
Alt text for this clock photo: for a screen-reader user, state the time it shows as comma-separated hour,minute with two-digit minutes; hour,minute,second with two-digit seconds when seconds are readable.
2,09
